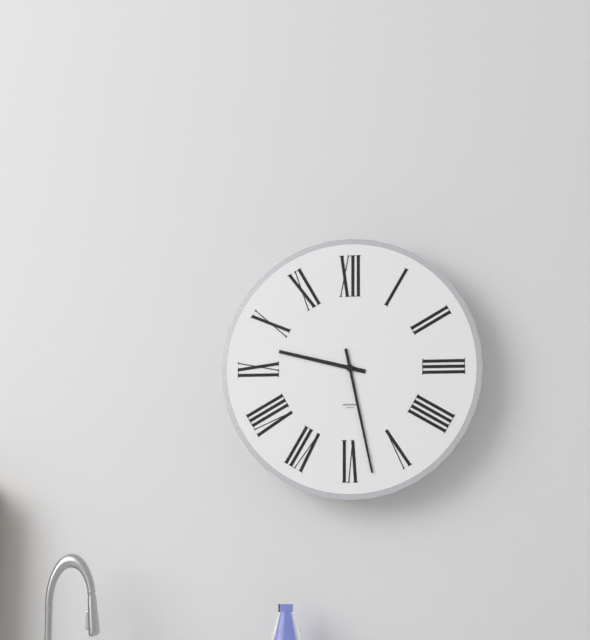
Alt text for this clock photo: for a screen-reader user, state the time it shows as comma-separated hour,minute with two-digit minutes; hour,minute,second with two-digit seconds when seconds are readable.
9,28
